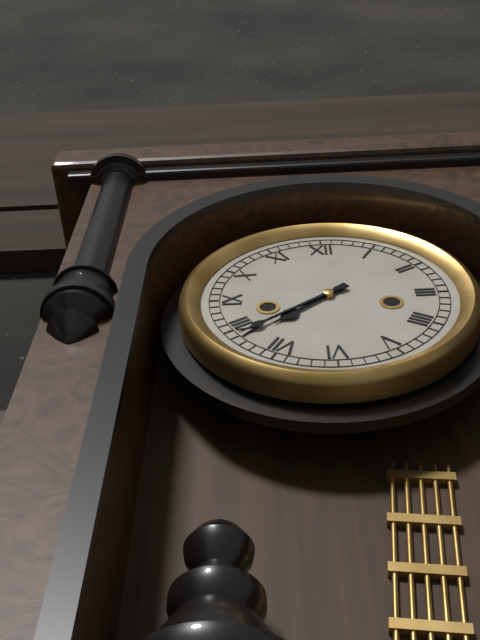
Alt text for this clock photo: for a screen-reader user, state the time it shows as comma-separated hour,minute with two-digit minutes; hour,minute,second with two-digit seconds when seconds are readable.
7,39
